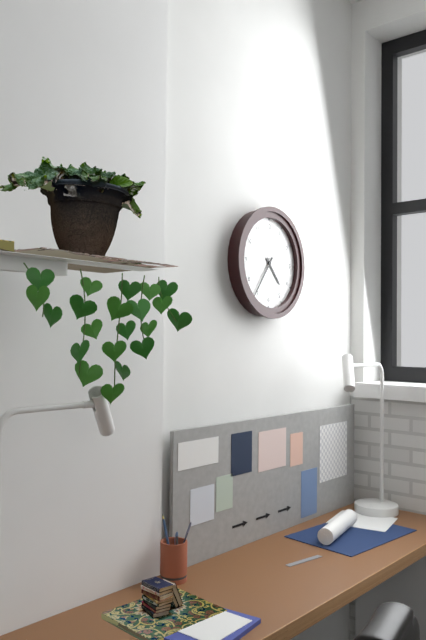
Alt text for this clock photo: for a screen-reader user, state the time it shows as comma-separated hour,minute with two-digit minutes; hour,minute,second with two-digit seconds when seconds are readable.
4,36
